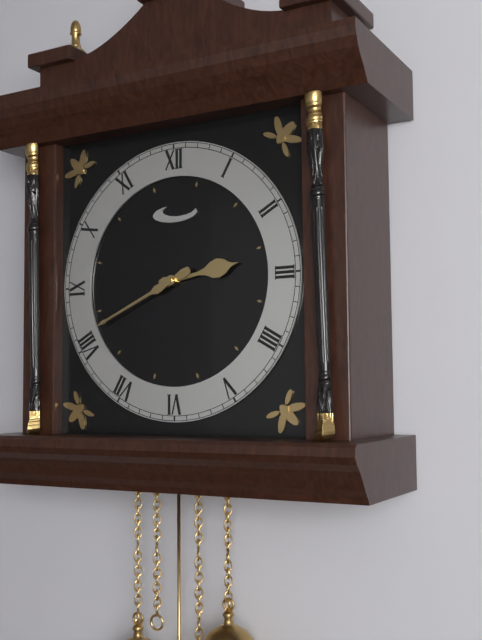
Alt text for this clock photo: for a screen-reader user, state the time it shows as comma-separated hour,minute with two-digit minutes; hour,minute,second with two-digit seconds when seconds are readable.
2,41
